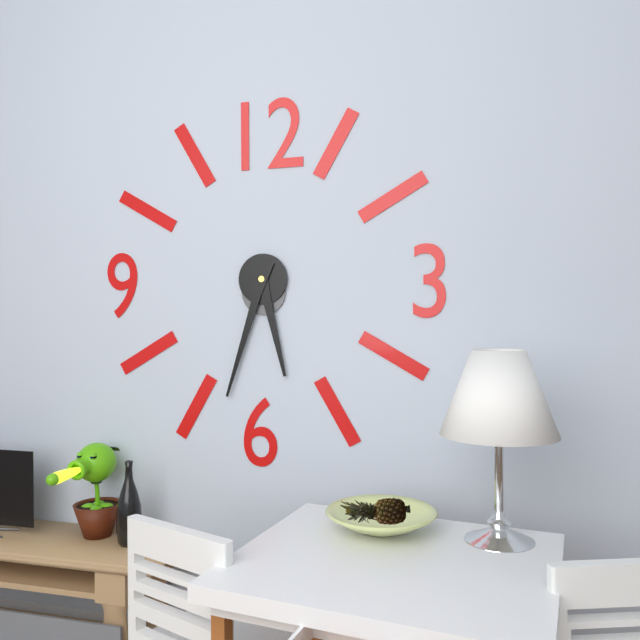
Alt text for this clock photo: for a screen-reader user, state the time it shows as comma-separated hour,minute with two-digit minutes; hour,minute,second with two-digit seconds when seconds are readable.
5,33
